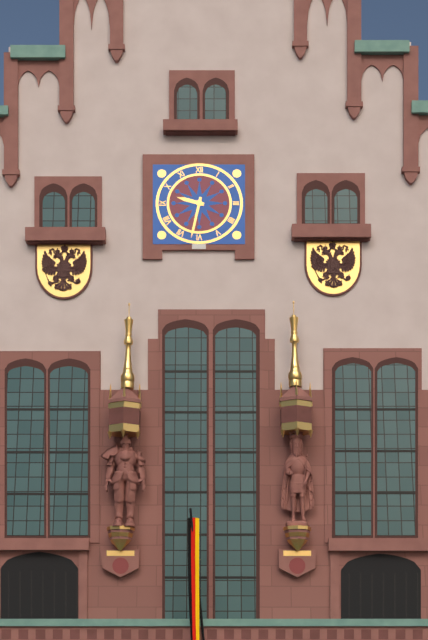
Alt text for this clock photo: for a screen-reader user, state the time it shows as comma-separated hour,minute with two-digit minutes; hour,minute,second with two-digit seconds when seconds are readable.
9,32
